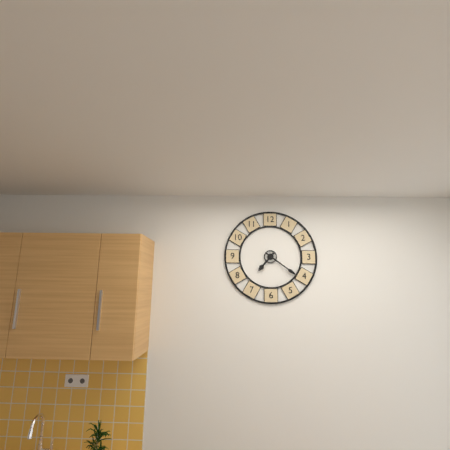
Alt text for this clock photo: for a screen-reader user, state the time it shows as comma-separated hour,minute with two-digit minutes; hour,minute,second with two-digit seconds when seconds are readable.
7,21
